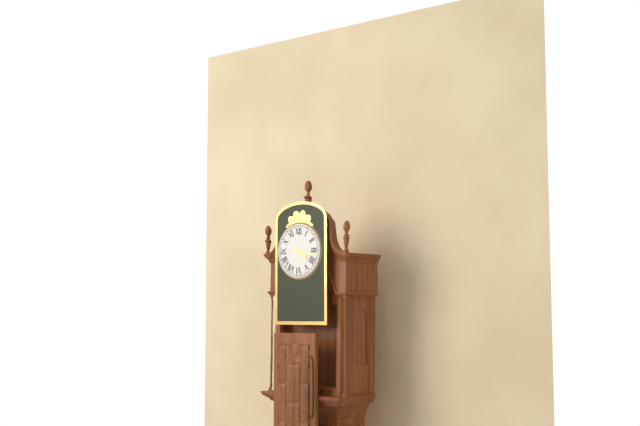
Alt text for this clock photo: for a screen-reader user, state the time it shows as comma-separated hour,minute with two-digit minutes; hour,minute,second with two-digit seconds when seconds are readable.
4,17
